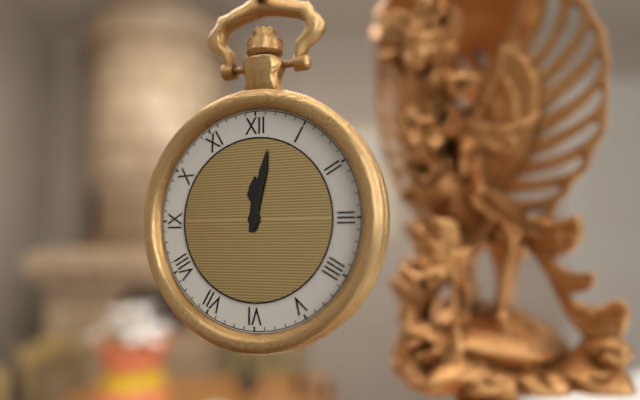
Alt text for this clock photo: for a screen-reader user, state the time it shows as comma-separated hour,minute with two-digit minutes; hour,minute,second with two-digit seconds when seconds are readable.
12,02
